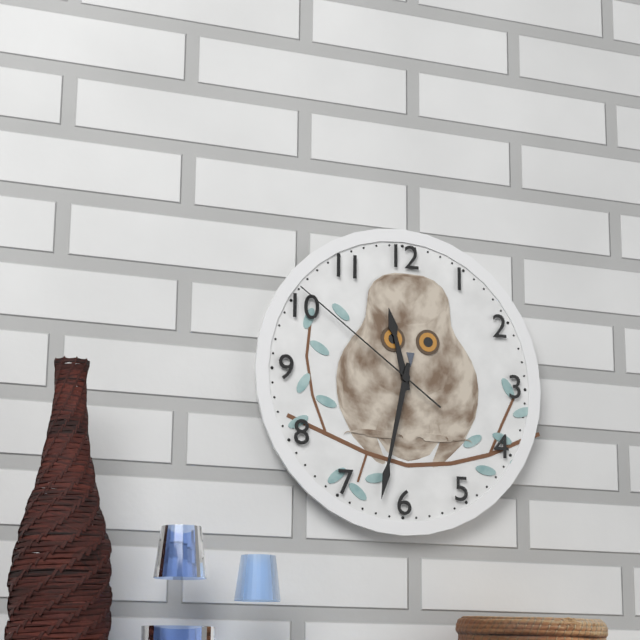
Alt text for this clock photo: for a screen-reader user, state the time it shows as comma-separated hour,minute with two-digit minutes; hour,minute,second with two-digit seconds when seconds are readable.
11,32,51
